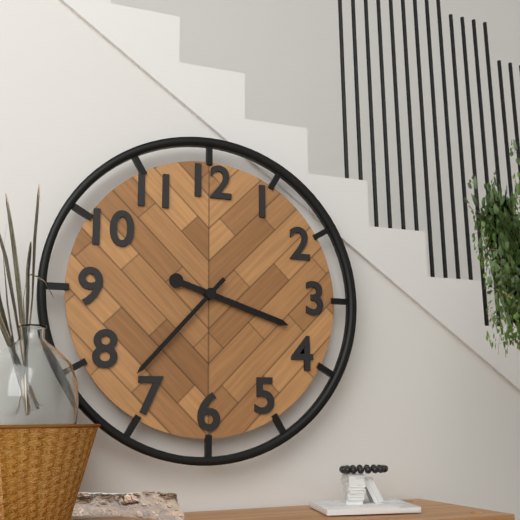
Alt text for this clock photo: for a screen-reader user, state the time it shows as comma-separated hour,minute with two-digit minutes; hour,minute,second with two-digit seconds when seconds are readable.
3,37
